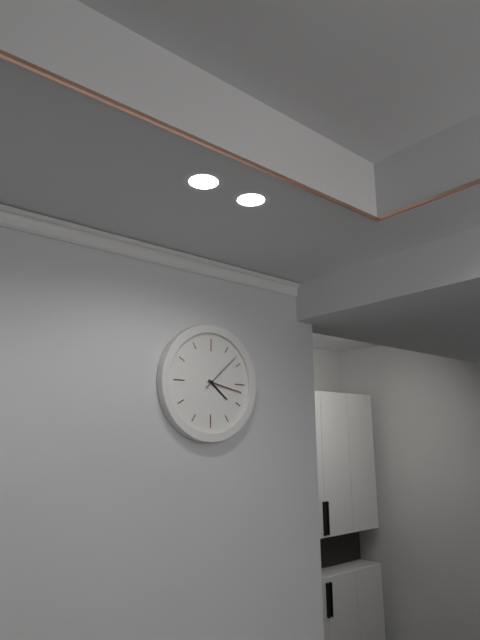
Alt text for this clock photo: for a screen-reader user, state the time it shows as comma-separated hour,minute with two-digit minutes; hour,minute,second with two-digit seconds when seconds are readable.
4,17
